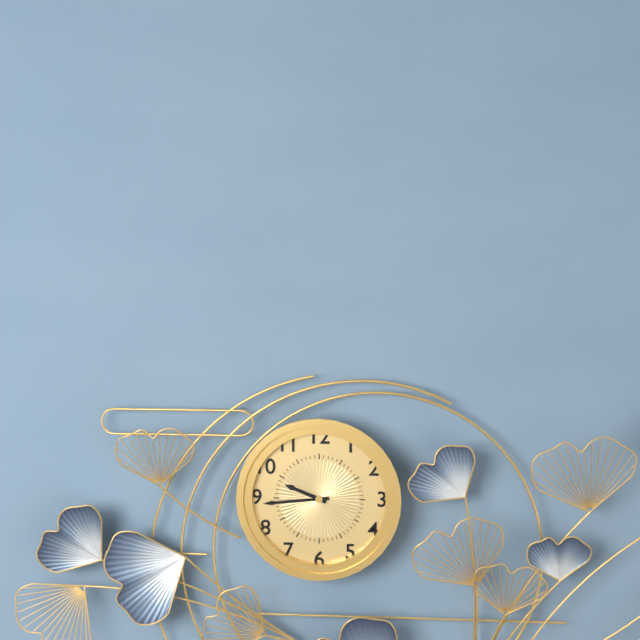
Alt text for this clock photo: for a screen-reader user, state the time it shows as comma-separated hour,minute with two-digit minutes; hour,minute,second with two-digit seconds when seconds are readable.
9,44
